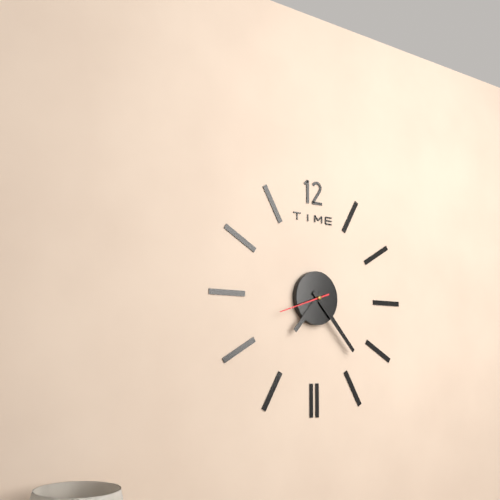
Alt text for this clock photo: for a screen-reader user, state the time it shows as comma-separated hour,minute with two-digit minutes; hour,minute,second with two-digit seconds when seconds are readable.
7,23,42
